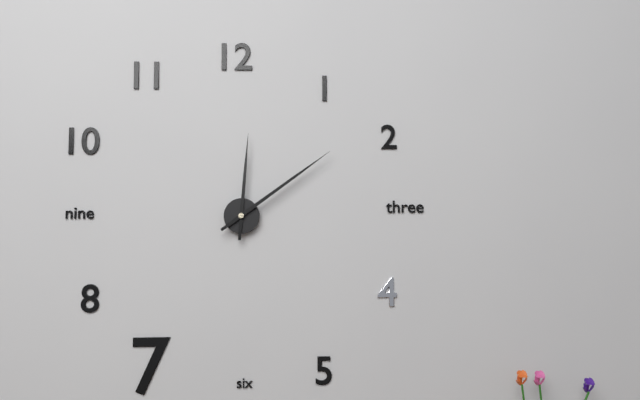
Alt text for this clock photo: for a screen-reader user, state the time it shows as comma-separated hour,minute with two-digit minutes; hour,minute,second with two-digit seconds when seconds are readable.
12,09
